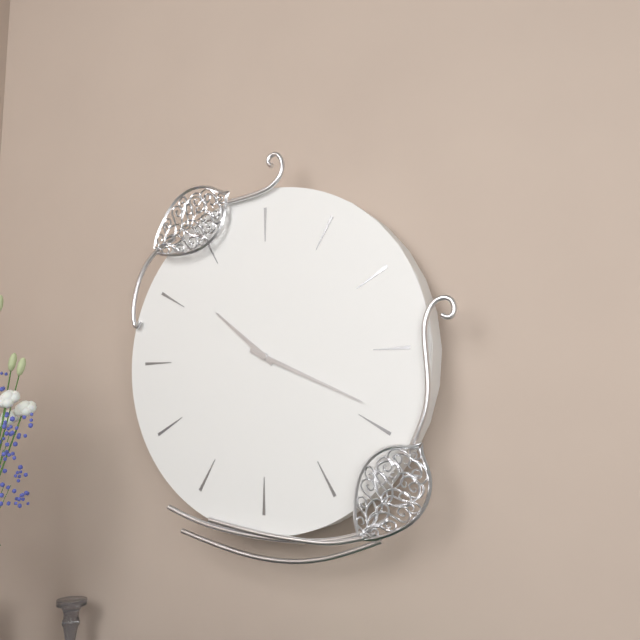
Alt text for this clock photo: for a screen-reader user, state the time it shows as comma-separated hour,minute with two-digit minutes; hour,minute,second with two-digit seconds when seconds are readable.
10,19
